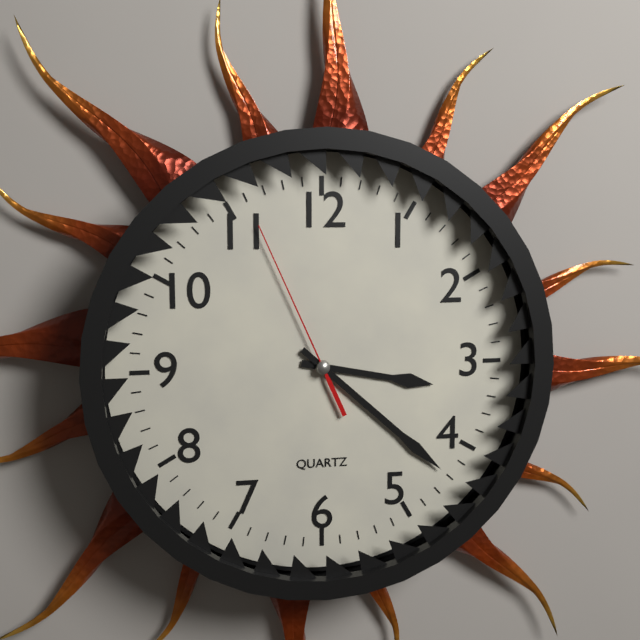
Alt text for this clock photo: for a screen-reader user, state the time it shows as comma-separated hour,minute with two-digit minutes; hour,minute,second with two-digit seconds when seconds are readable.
3,22,56
